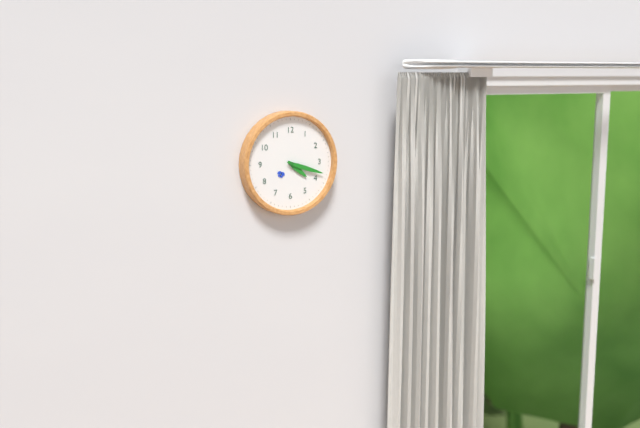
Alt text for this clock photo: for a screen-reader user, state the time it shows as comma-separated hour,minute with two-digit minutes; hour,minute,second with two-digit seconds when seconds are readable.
4,18
